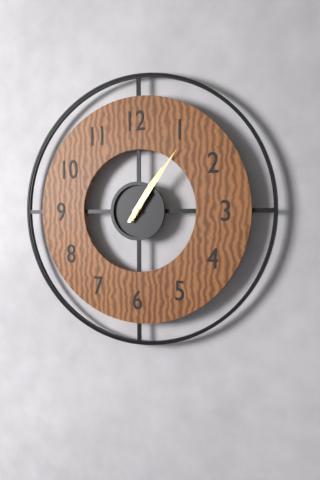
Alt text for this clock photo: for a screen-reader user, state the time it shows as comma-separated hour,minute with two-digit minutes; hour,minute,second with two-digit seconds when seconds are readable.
1,06
